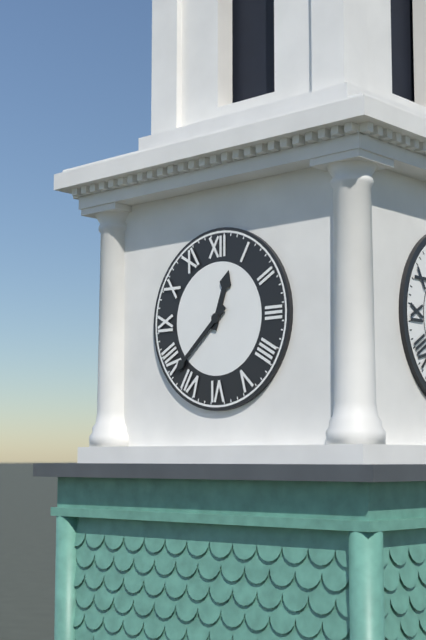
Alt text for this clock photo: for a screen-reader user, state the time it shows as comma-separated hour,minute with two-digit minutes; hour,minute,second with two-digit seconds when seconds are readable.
12,38
